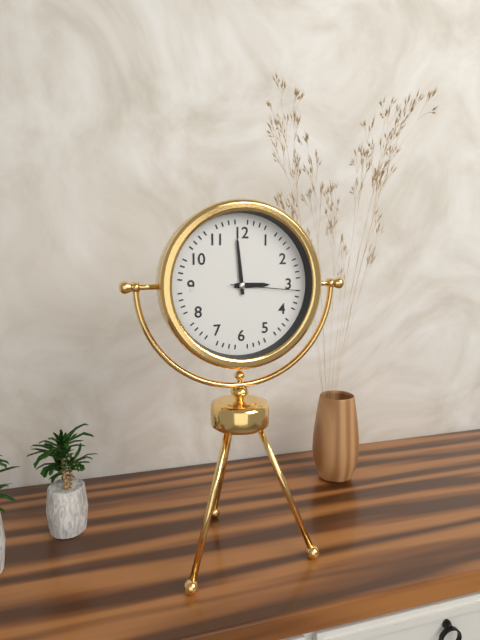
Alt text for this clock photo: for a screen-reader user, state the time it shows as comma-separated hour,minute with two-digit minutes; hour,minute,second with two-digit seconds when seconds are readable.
2,59,16
